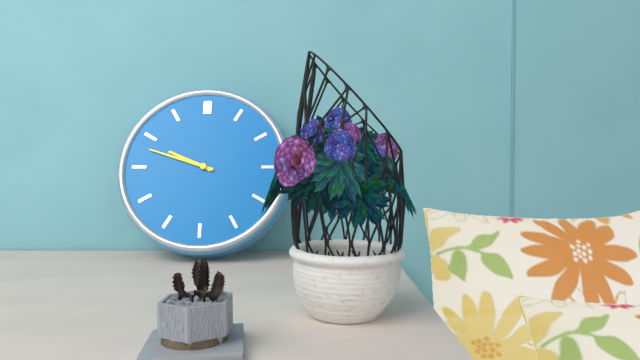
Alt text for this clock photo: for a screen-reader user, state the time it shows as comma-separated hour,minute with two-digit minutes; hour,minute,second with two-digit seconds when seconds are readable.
9,48
